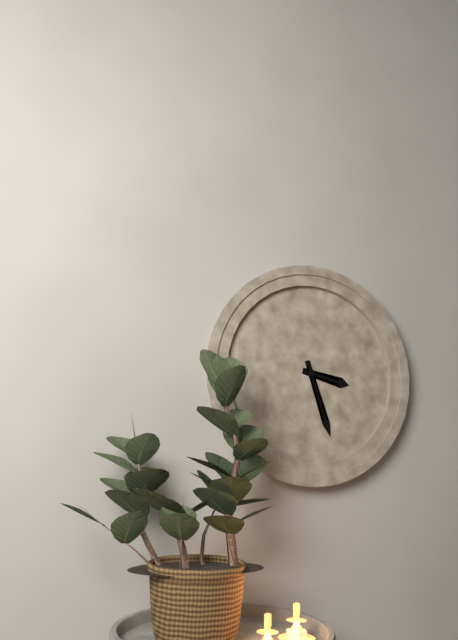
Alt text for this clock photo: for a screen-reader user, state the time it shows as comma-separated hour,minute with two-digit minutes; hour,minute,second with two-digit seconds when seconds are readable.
3,27
